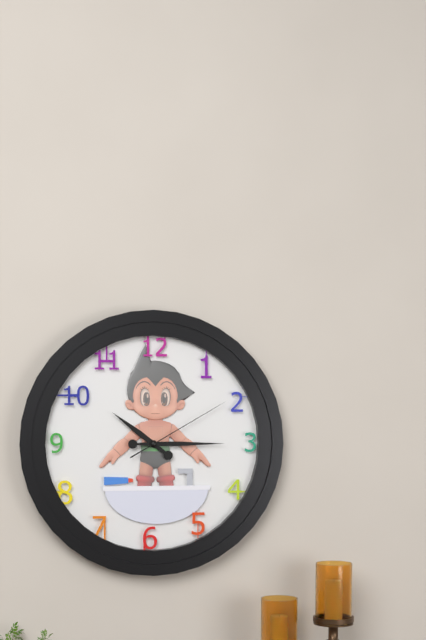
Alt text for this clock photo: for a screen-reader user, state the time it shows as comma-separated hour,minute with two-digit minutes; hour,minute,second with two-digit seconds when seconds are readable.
10,15,10
